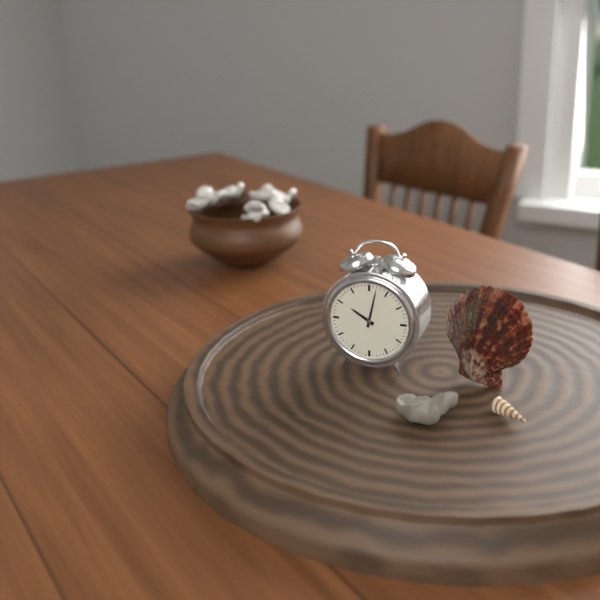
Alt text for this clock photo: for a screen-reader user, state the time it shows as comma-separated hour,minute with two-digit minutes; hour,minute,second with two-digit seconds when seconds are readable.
10,02
